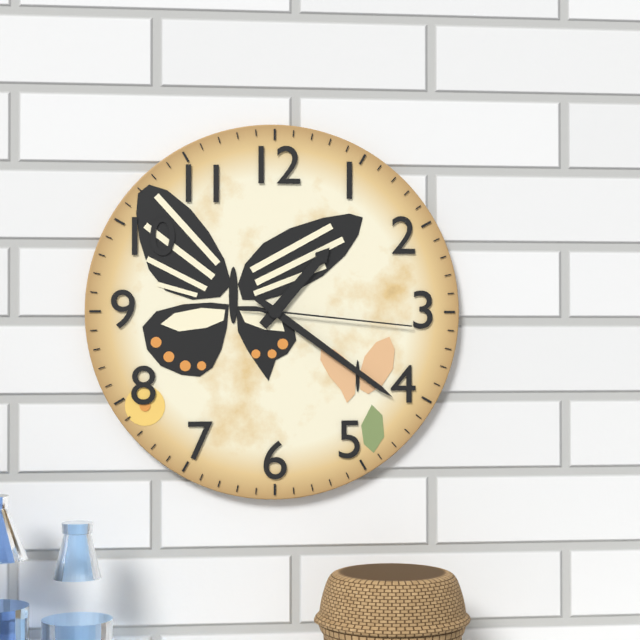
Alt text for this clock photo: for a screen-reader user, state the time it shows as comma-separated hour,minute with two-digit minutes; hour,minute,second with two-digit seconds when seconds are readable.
1,21,16
